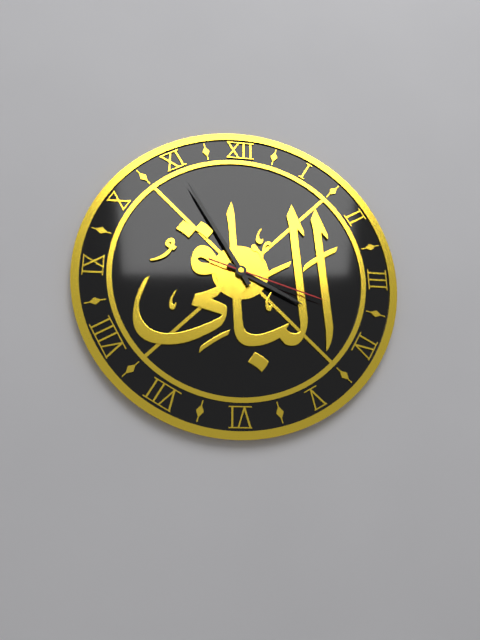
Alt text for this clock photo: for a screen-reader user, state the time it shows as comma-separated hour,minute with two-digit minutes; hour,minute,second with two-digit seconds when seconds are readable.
3,55,18
